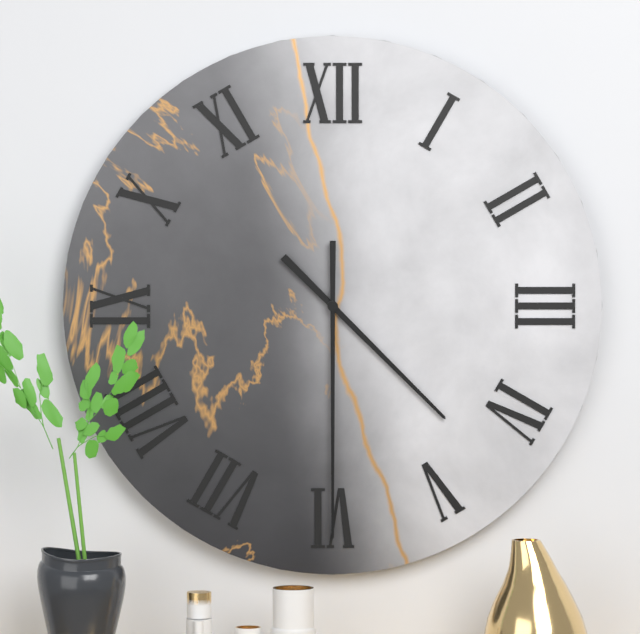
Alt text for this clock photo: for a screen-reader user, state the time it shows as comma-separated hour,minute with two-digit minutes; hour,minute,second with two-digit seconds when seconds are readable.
4,30
